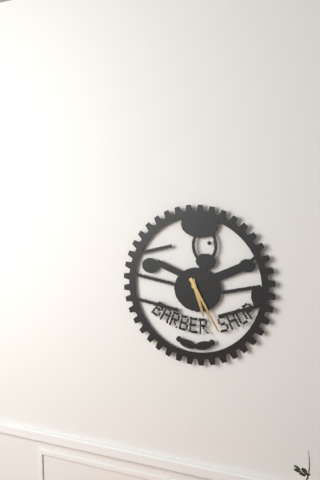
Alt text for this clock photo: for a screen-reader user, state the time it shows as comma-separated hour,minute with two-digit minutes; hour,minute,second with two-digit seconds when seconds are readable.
5,25
